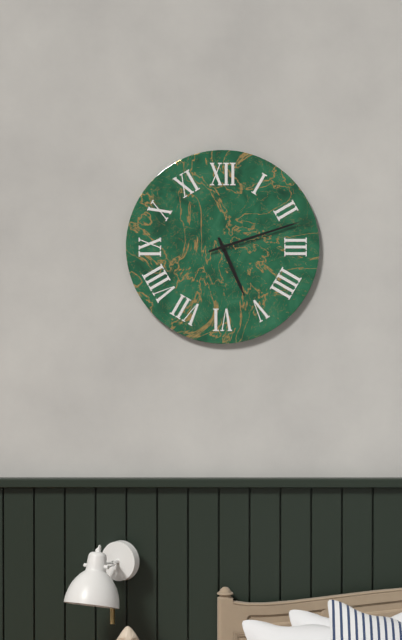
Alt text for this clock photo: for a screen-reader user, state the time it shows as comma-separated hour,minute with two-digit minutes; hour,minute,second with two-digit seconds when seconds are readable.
5,12
